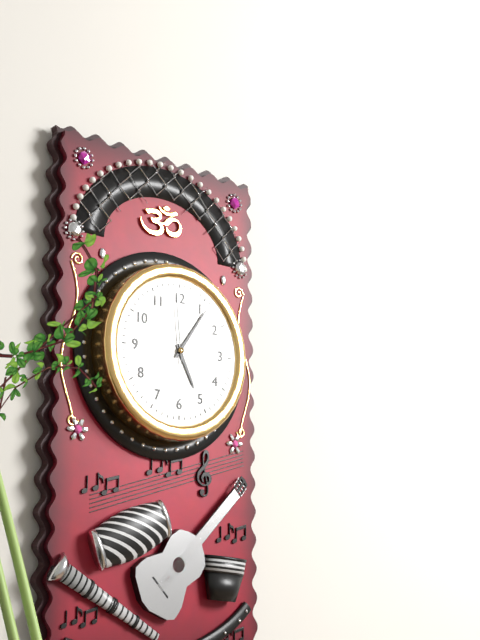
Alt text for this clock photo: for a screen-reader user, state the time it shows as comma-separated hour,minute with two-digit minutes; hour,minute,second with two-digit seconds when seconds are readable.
5,06,59
